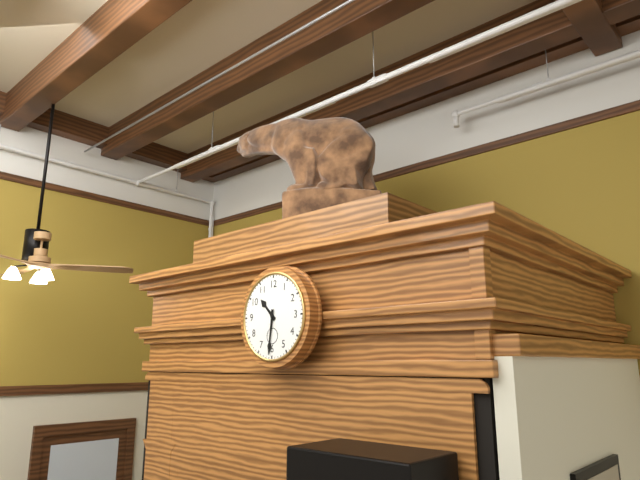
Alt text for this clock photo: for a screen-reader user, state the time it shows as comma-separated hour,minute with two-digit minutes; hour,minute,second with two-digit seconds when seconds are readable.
10,31
